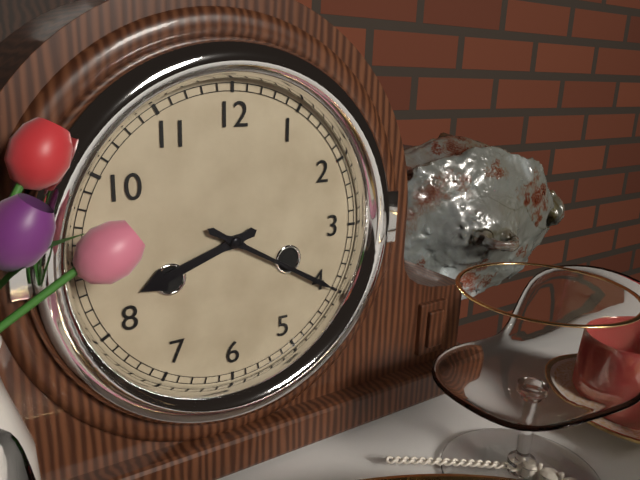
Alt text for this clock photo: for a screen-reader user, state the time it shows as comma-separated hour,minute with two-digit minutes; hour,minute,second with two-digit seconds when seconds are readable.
8,20
